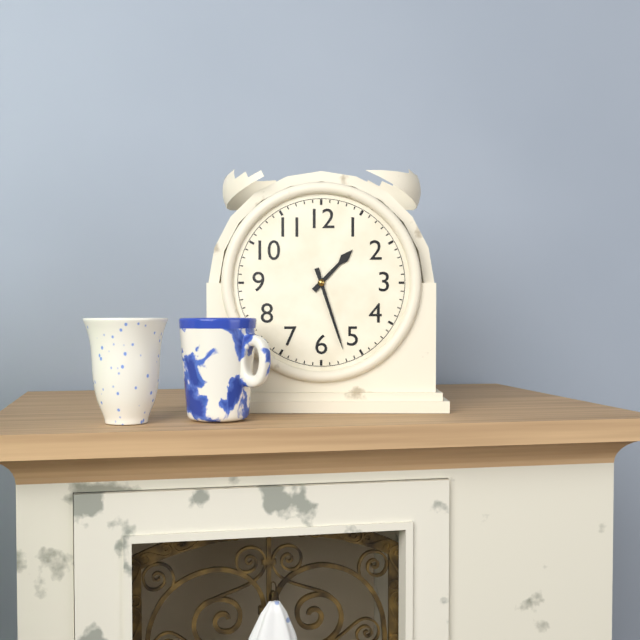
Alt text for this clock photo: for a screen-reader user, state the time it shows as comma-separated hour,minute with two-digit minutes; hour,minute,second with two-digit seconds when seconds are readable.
1,27
